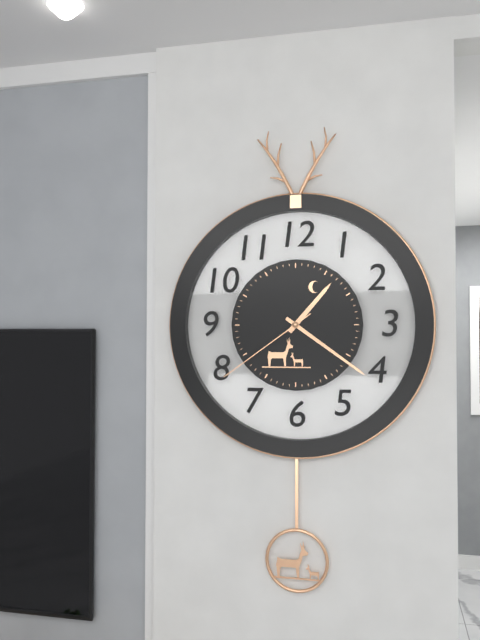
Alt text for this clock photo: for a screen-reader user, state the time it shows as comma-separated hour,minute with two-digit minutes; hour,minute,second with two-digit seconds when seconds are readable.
1,21,39
